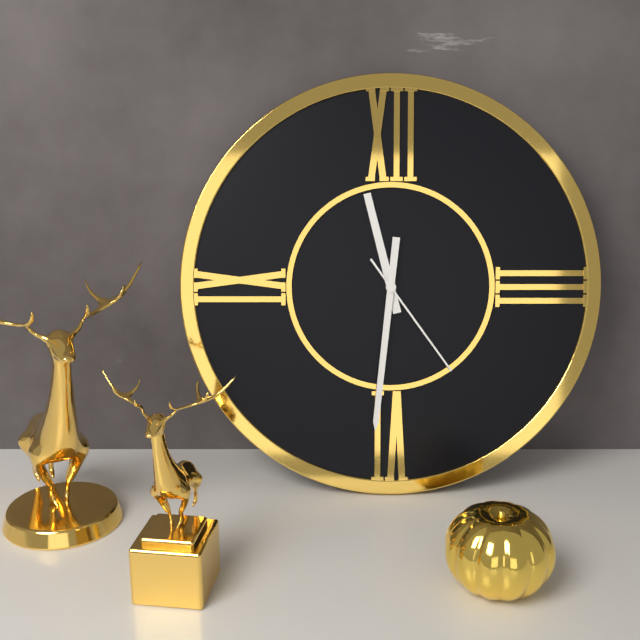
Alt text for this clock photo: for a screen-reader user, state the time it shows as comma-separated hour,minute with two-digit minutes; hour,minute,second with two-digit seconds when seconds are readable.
11,31,24
